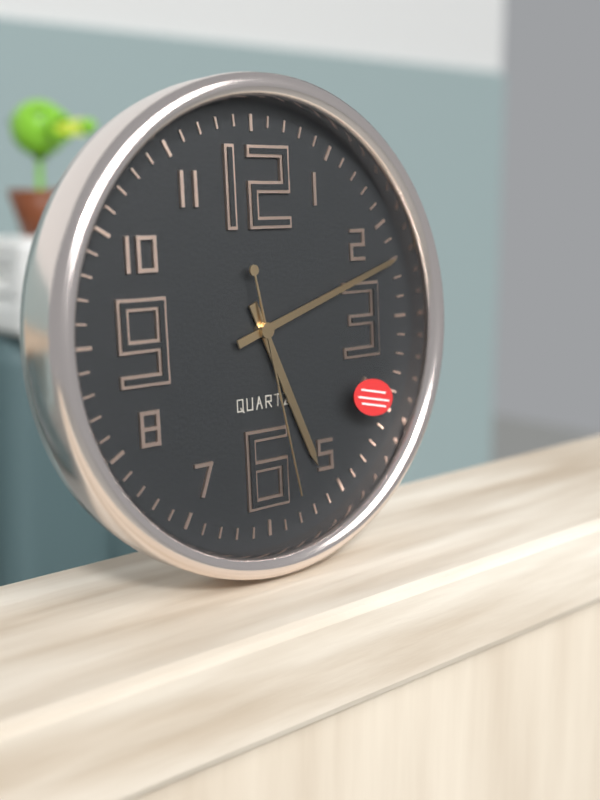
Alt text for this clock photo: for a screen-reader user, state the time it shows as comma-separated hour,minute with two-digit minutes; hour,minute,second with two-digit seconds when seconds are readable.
5,12,28
